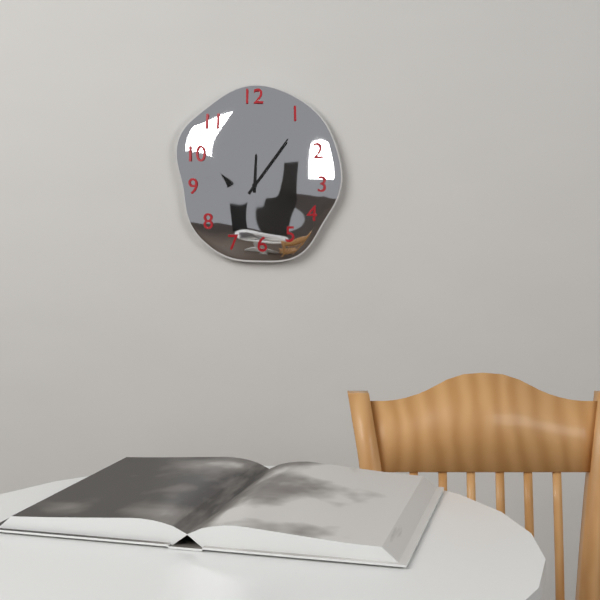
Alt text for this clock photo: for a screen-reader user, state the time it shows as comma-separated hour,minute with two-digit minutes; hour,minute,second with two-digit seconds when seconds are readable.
12,06
